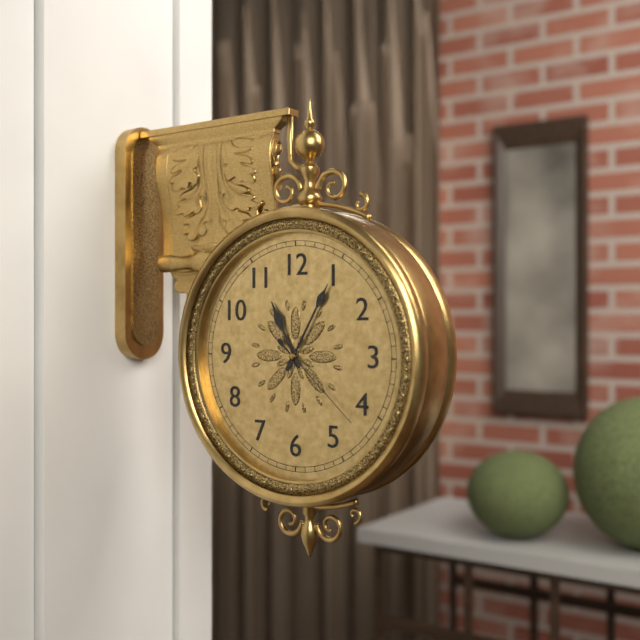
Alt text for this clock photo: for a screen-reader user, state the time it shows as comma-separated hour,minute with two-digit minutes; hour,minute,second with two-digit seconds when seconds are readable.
11,05,22
